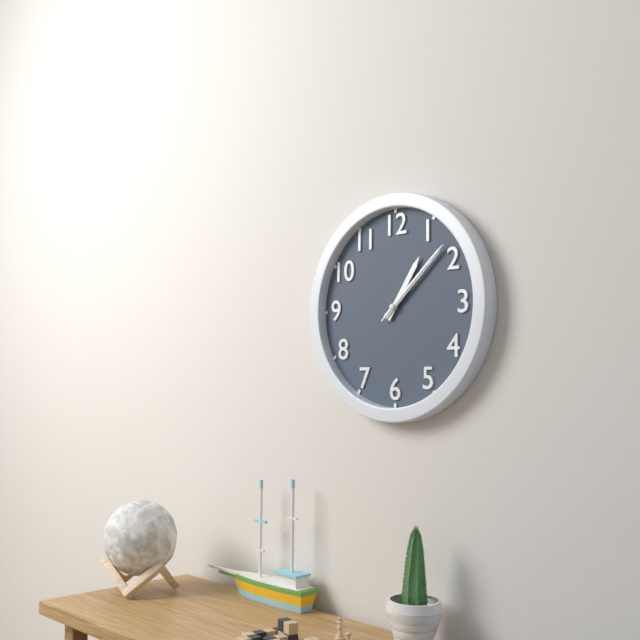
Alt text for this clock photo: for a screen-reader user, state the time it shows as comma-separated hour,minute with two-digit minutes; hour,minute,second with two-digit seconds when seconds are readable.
1,08,08
